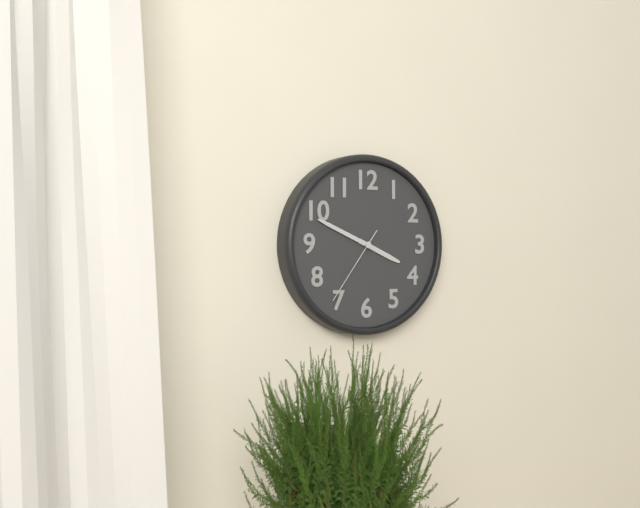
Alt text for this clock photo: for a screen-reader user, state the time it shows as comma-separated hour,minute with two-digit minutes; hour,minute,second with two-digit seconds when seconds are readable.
3,49,36
